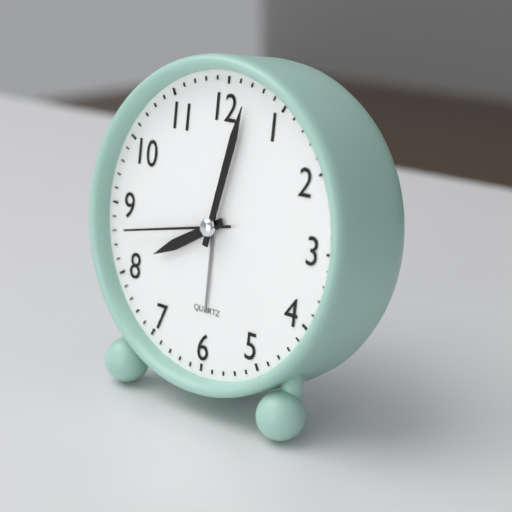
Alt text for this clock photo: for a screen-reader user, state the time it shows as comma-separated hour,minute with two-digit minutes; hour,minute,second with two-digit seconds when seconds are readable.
8,02,43
